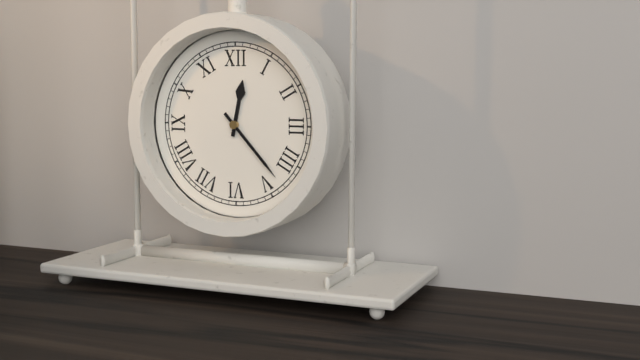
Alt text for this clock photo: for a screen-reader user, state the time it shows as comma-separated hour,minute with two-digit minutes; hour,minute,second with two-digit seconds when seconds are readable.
12,23
